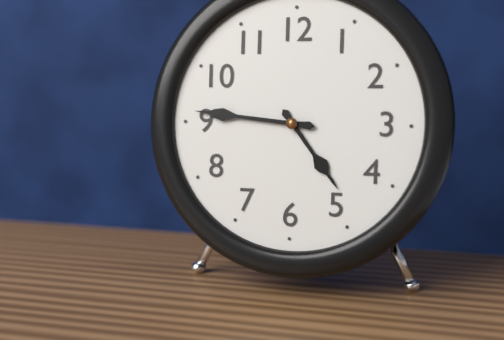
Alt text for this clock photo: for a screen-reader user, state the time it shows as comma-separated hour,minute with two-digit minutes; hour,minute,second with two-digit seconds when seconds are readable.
4,46
